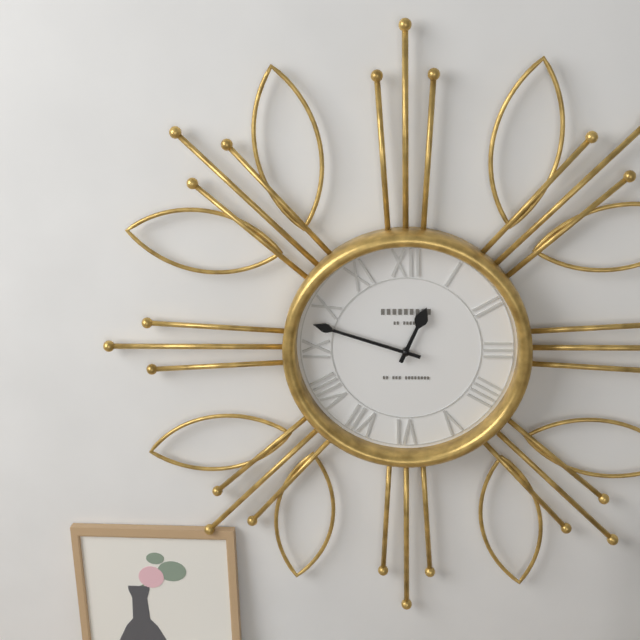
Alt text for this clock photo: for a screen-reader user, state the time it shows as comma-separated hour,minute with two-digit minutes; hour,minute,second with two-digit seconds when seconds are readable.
12,48
